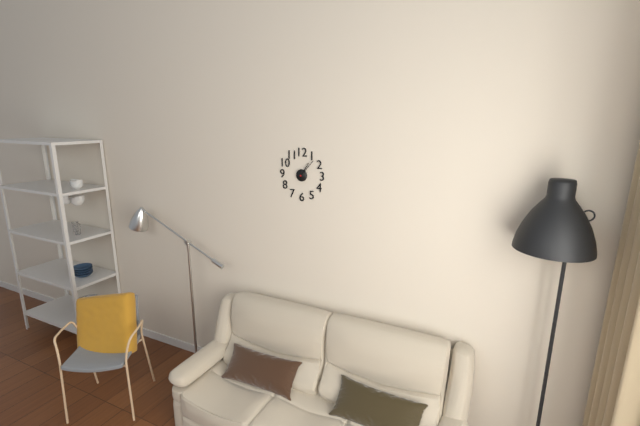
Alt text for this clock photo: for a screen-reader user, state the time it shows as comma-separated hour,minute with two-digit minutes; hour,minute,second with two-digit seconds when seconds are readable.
1,07
